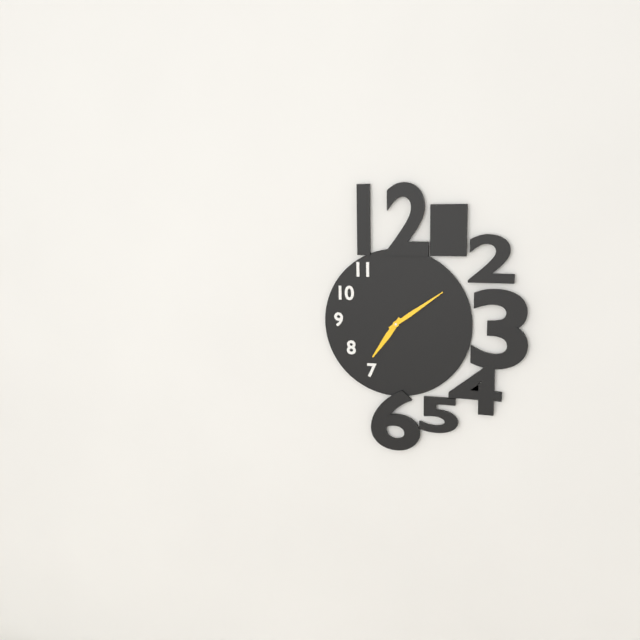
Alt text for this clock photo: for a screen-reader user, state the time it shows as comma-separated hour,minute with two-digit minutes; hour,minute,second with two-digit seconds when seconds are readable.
7,09
